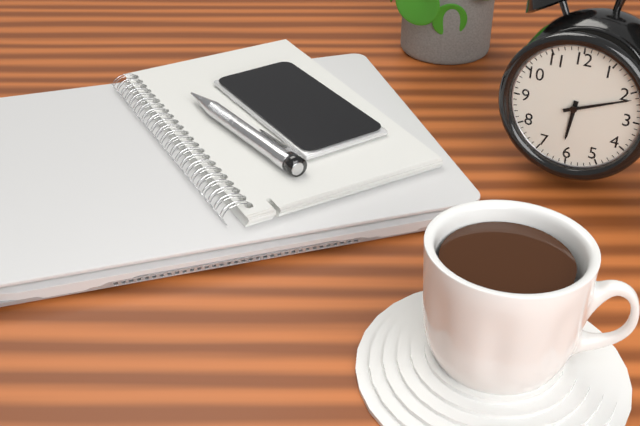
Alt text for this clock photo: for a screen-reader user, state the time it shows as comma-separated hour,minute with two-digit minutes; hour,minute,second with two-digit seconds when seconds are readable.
6,11
